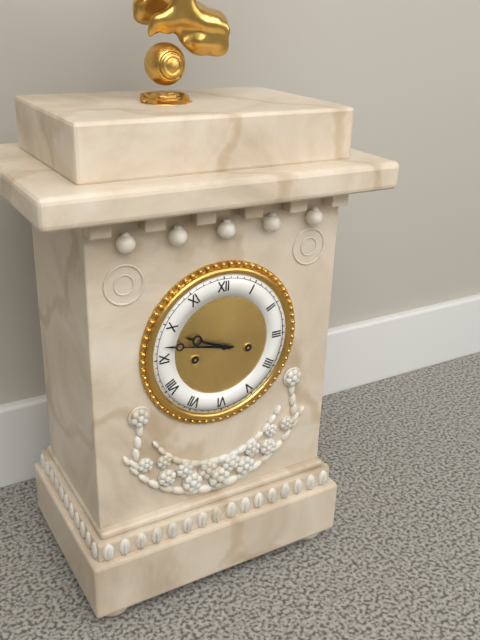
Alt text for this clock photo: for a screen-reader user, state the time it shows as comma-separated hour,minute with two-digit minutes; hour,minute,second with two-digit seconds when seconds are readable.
9,47
